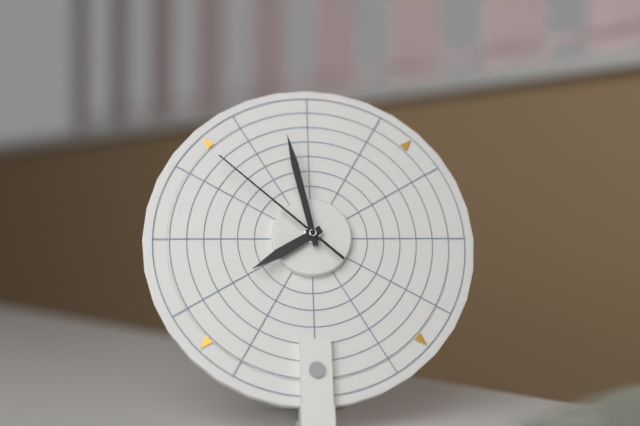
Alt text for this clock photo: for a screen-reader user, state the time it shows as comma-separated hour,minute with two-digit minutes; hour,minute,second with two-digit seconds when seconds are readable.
7,58,52
